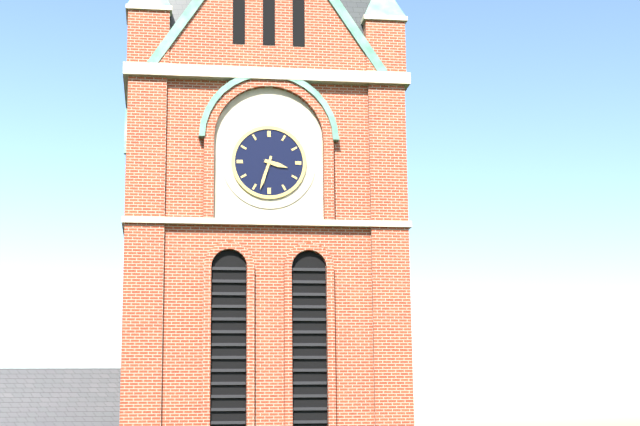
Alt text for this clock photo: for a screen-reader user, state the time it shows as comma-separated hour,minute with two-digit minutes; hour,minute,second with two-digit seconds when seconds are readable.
3,33
